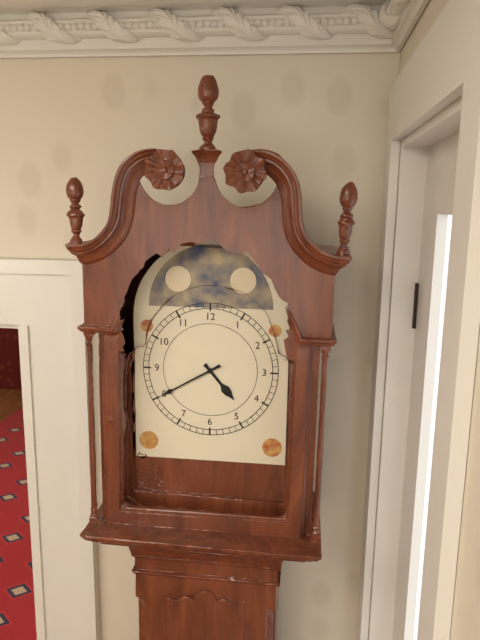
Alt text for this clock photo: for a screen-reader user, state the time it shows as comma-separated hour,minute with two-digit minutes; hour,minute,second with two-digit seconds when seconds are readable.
4,40
